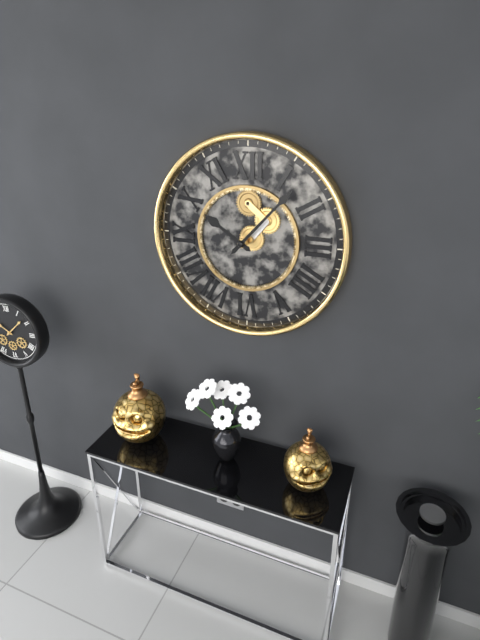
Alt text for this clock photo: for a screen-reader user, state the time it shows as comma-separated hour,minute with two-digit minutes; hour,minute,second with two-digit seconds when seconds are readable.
10,07
